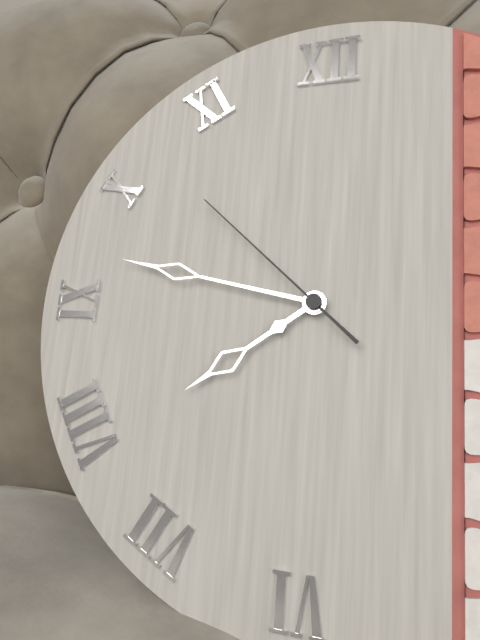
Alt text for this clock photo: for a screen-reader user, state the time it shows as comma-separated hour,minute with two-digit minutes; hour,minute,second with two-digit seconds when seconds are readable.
7,47,52
